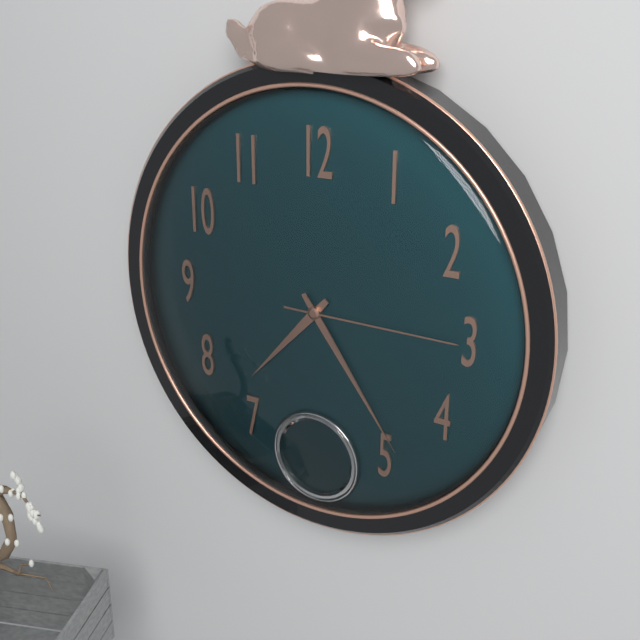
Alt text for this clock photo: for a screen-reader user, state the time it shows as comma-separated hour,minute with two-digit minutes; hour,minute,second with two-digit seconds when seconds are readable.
7,24,15
